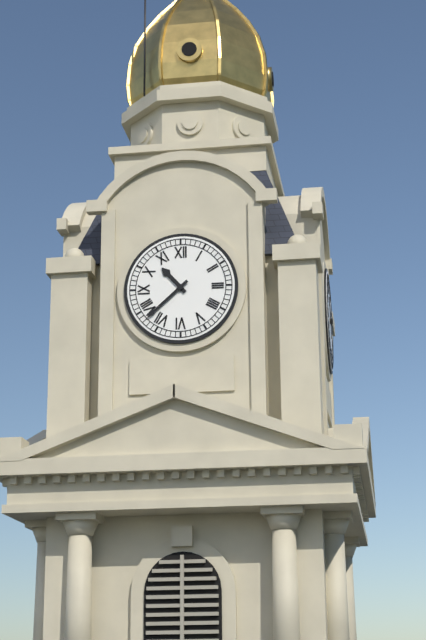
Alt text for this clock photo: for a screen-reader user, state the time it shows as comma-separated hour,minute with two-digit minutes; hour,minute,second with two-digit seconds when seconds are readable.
10,38
